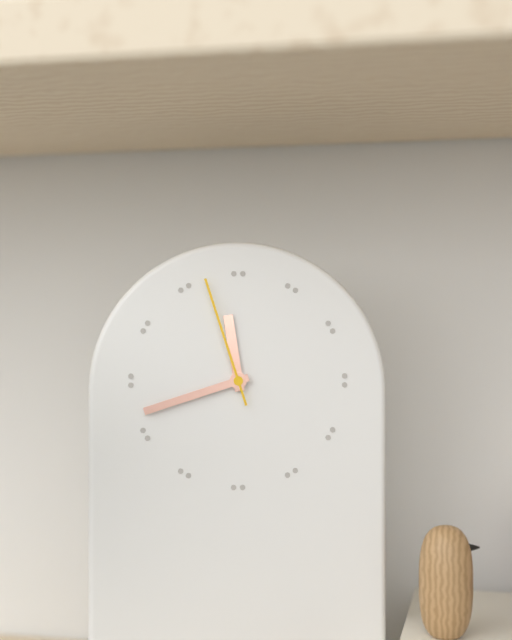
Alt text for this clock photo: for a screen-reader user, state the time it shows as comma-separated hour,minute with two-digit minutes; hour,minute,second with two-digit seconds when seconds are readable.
11,42,57
